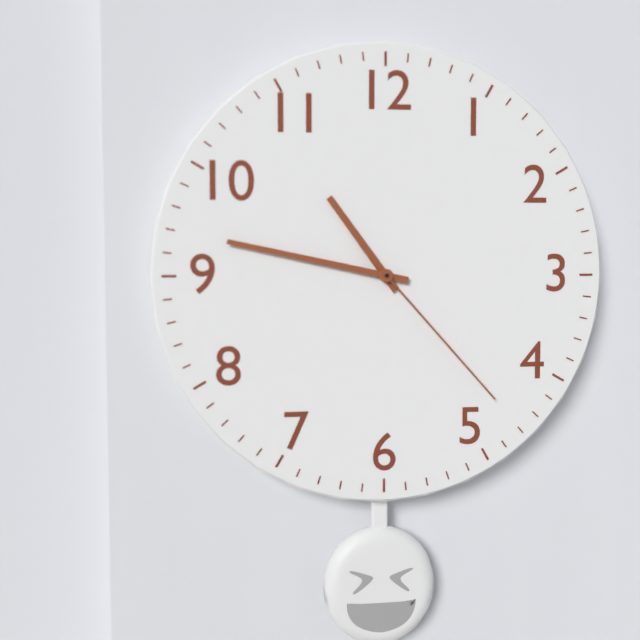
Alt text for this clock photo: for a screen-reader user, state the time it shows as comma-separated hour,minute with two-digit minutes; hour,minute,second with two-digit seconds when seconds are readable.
10,47,23
